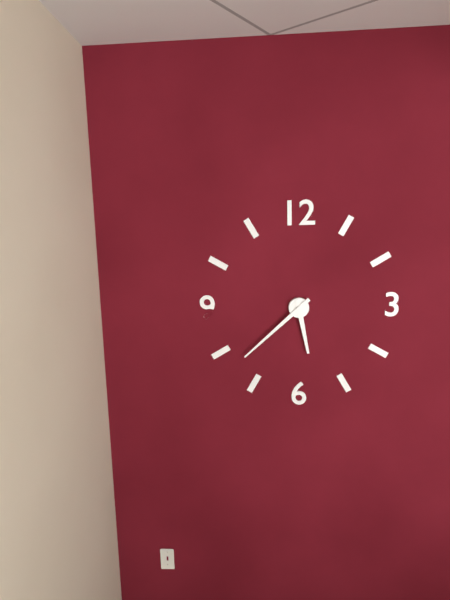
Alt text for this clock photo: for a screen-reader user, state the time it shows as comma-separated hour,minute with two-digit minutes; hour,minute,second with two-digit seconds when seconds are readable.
5,38
